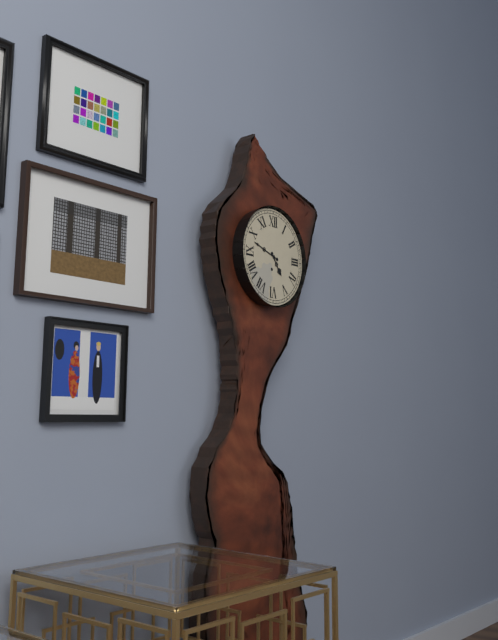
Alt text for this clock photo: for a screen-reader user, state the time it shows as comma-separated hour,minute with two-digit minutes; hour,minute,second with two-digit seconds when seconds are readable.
4,48
